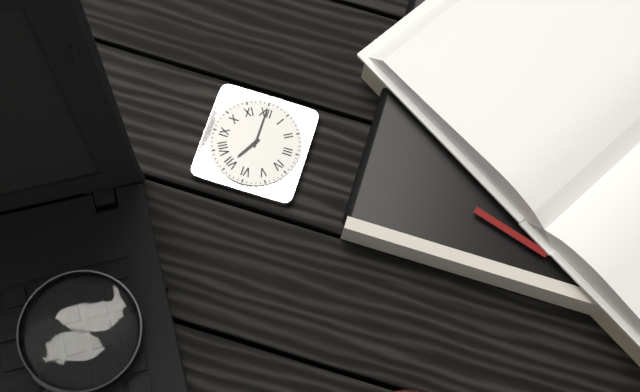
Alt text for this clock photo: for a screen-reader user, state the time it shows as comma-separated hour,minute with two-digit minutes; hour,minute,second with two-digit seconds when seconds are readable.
7,00
